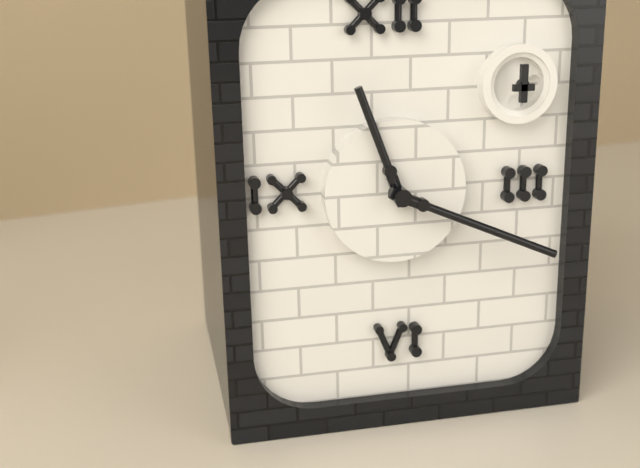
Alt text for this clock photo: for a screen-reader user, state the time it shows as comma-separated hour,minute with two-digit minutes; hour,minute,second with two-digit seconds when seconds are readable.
11,19
